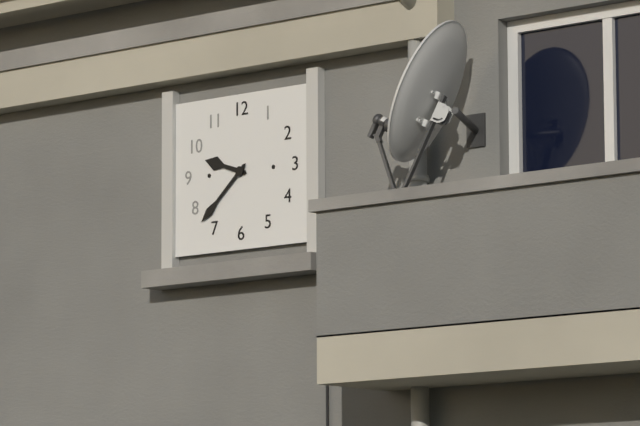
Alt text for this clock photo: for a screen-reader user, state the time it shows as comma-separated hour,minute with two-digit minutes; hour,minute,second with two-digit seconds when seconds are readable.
9,38
